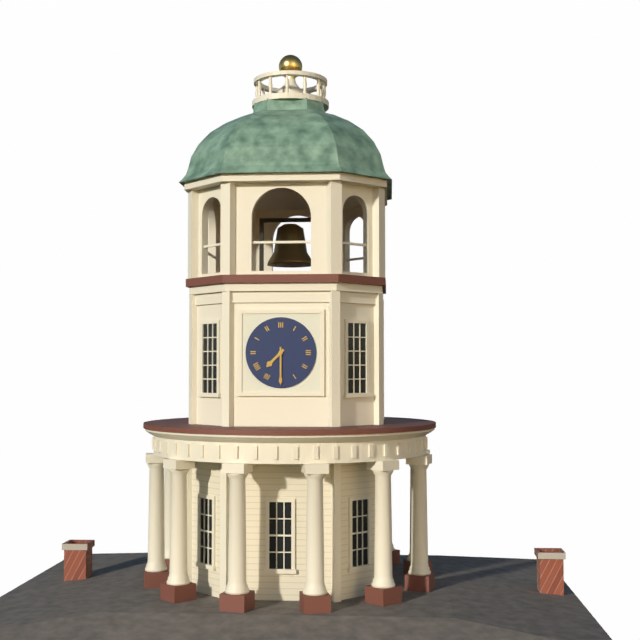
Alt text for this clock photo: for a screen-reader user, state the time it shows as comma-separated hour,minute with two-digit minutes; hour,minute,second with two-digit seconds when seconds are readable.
7,30
